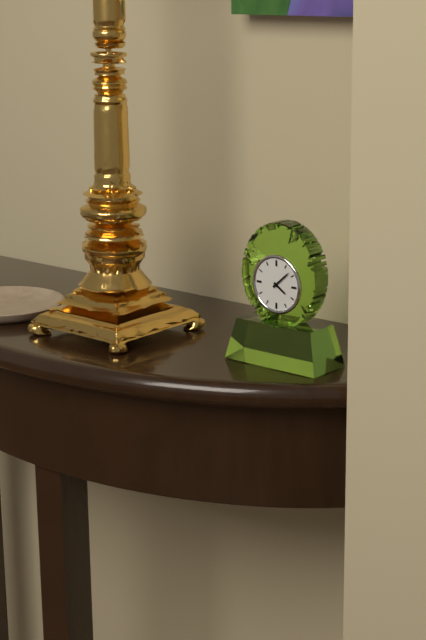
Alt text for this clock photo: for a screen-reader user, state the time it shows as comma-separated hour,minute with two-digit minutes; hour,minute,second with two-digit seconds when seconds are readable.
4,08
